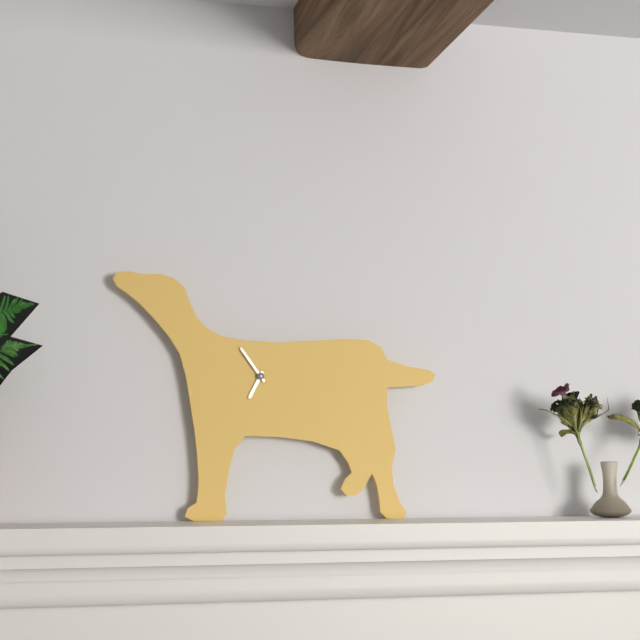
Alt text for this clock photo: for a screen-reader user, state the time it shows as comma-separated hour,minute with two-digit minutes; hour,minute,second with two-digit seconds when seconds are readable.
6,54
